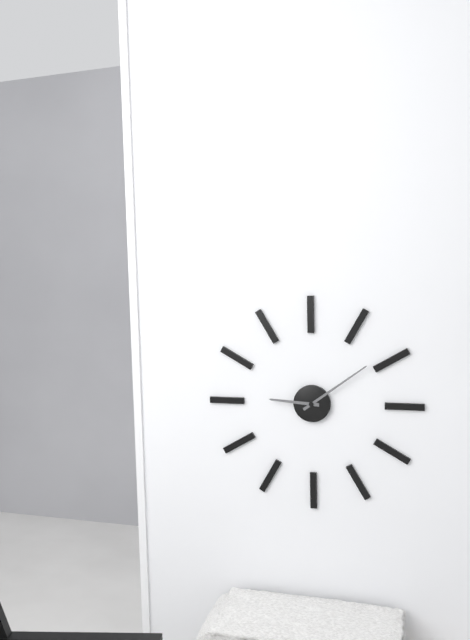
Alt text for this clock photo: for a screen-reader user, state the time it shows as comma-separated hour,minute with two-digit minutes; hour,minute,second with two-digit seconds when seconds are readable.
9,09
